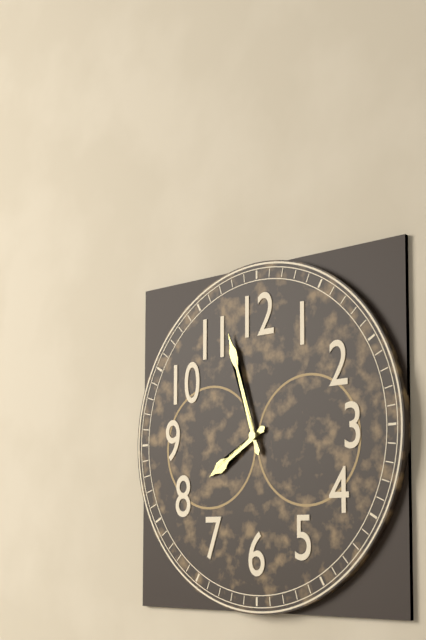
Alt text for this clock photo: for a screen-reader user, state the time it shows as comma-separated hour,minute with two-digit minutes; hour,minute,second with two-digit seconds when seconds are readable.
7,57
